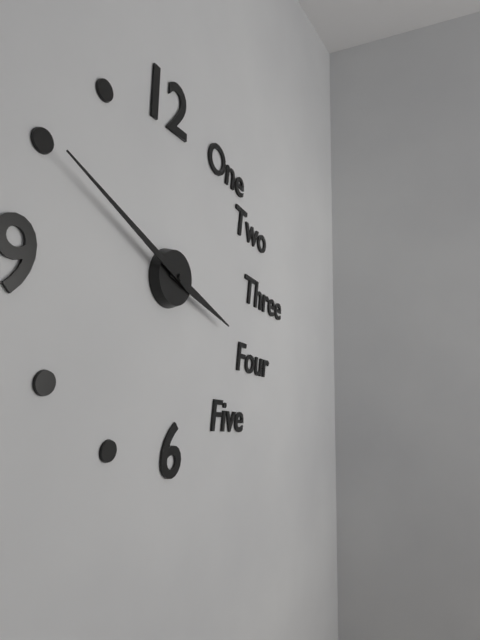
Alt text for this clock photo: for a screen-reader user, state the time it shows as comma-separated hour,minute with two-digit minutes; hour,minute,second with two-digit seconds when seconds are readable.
3,50
